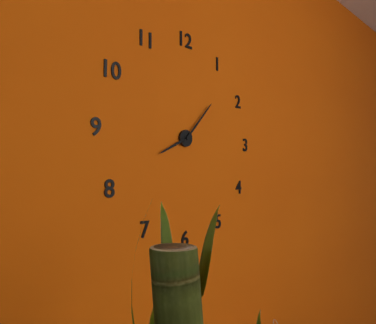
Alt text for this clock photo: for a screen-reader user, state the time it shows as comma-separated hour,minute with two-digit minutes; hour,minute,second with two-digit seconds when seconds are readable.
8,07
